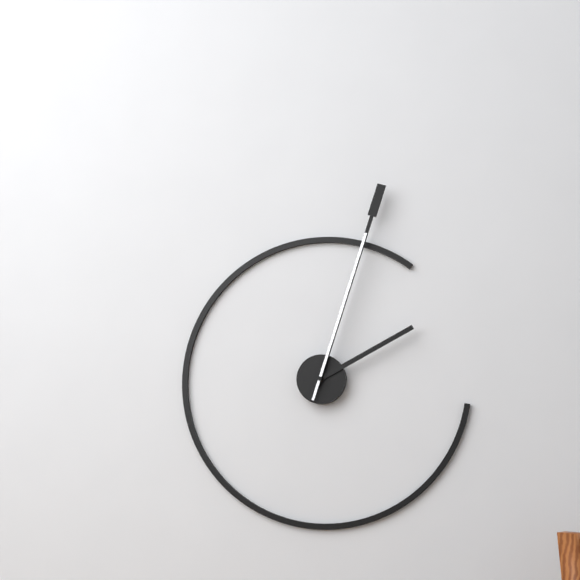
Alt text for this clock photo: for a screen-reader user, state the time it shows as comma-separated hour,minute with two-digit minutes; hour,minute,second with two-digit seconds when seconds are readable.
2,03,03
